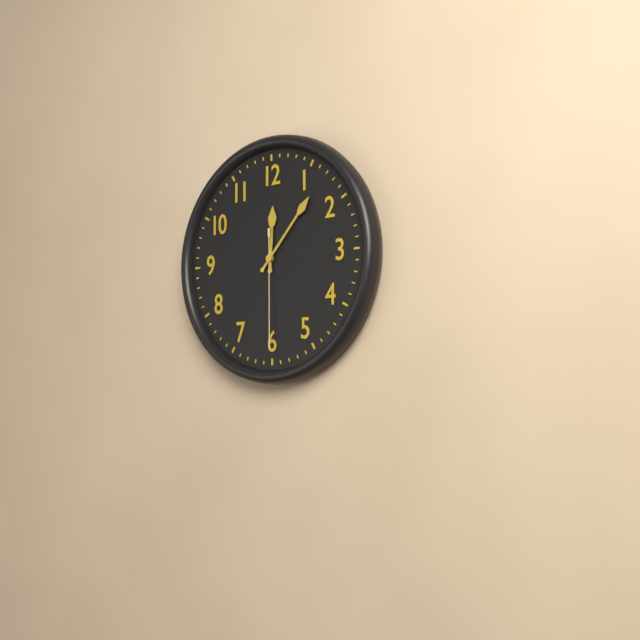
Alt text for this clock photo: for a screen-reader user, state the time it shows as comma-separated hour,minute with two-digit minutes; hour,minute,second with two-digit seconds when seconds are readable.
12,07,30
